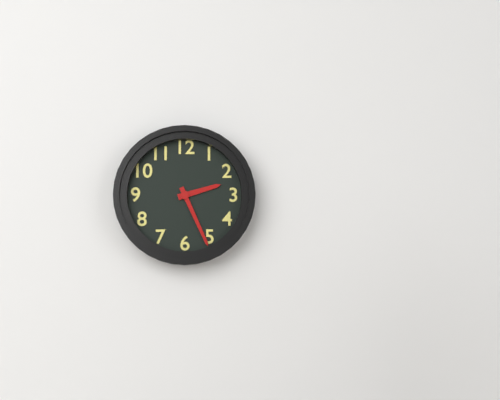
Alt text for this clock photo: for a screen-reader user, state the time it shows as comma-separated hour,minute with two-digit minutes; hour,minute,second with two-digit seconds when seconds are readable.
2,26
